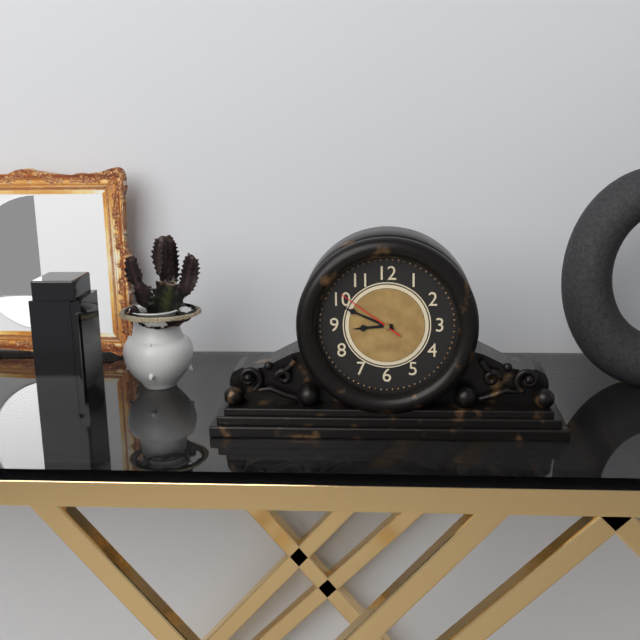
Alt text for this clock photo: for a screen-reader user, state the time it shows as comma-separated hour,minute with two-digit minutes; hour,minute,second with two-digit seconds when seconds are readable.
8,49,51
